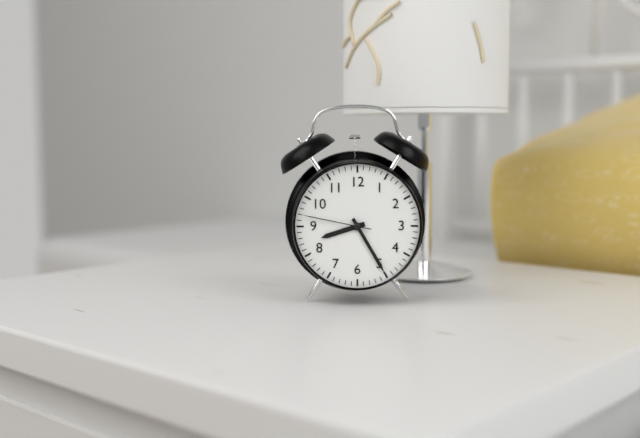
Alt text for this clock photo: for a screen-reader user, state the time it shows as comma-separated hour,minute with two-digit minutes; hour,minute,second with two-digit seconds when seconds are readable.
8,25,47
